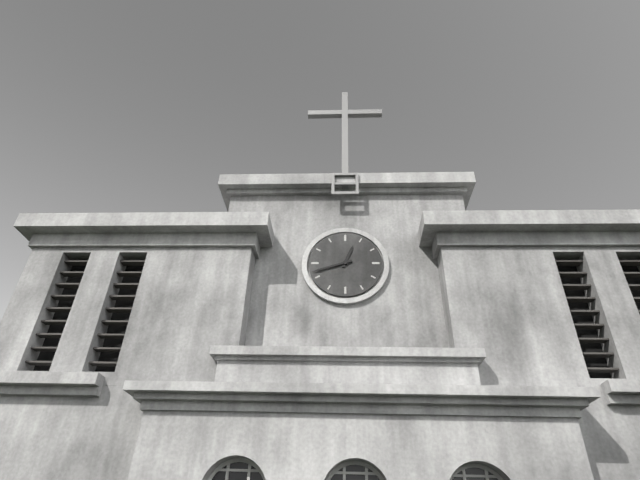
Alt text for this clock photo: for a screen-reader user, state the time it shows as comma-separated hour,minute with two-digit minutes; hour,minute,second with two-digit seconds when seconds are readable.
12,42
